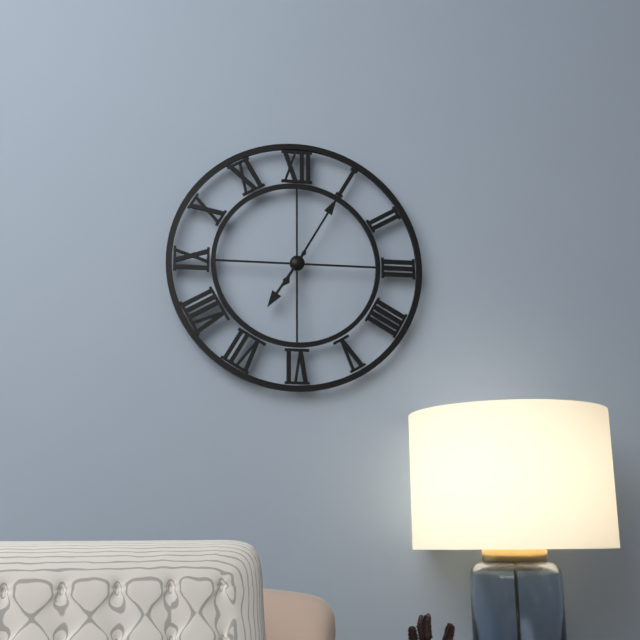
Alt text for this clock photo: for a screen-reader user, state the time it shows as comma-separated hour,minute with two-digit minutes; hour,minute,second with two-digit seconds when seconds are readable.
7,05
